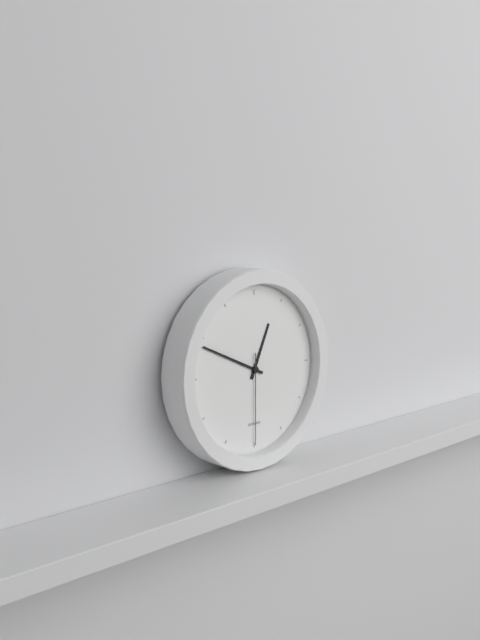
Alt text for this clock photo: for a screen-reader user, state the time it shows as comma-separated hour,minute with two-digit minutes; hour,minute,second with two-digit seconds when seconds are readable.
12,49,30
